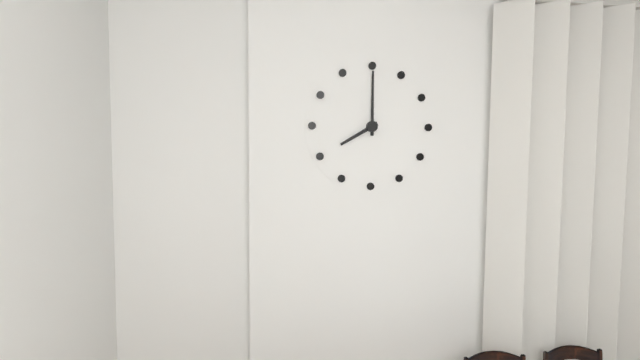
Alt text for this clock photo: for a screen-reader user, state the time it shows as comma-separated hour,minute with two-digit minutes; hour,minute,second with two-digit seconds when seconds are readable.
8,00
